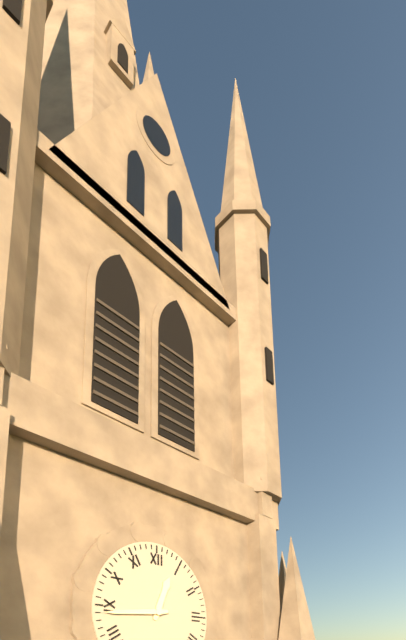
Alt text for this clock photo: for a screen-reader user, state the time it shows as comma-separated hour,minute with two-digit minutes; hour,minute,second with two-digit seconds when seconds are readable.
12,44
